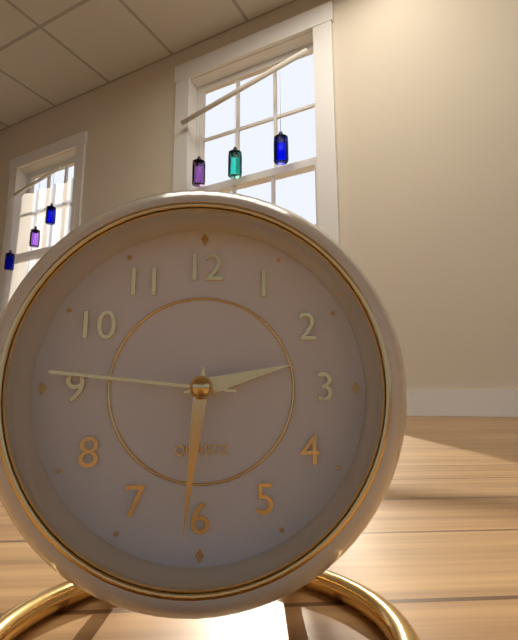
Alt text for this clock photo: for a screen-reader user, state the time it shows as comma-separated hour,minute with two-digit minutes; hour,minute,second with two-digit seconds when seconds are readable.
2,31,46
